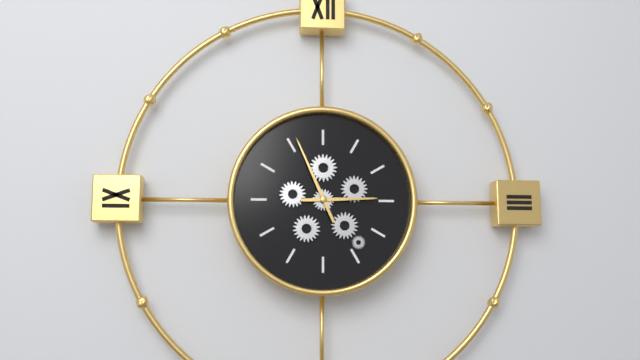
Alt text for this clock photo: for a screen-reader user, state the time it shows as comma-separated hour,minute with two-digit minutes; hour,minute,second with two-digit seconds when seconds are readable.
2,56
